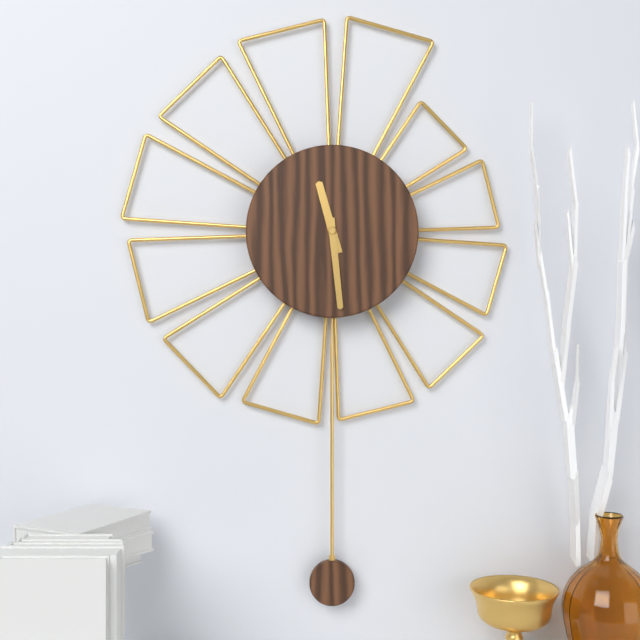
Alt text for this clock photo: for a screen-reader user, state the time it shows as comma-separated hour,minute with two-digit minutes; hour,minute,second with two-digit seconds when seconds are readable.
11,29
